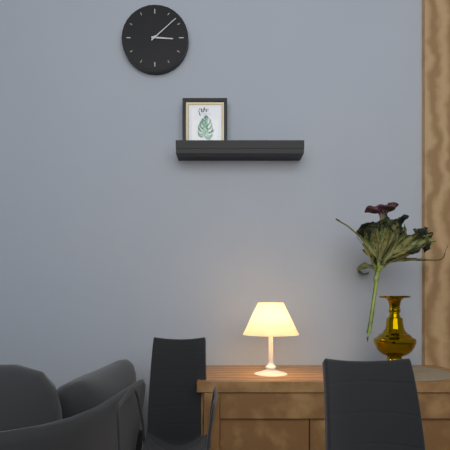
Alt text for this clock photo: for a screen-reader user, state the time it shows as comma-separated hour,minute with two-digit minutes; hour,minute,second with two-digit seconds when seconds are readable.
3,08
